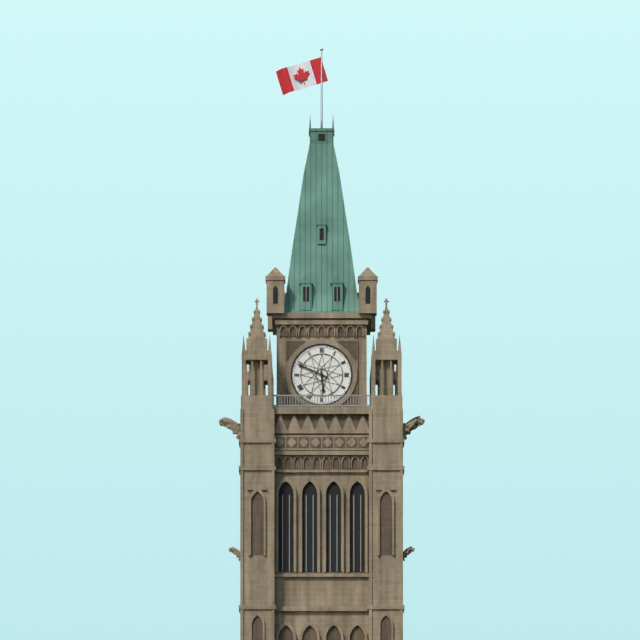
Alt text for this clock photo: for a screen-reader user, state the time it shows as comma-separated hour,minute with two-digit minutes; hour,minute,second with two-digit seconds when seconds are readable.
5,49
